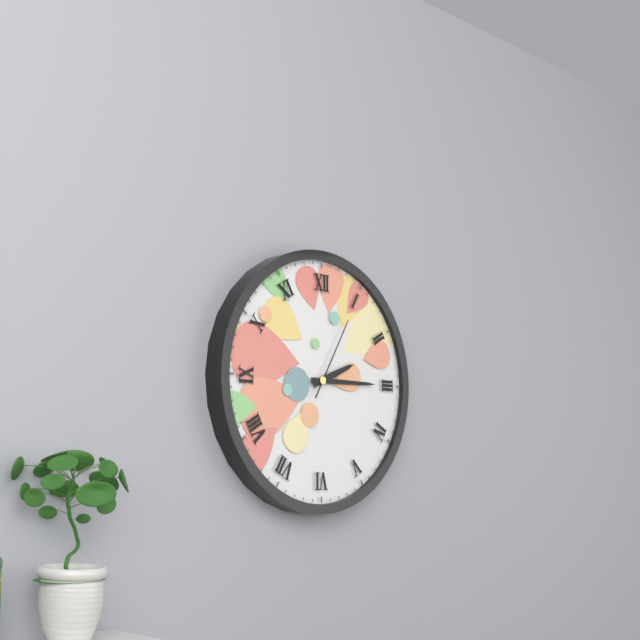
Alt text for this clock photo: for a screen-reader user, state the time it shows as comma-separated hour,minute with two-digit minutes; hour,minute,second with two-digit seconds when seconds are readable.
2,15,05
